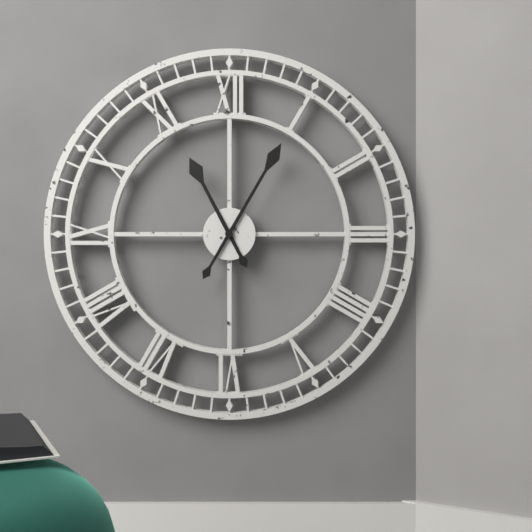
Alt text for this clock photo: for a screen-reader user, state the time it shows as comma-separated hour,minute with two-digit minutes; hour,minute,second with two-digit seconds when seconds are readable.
11,05
